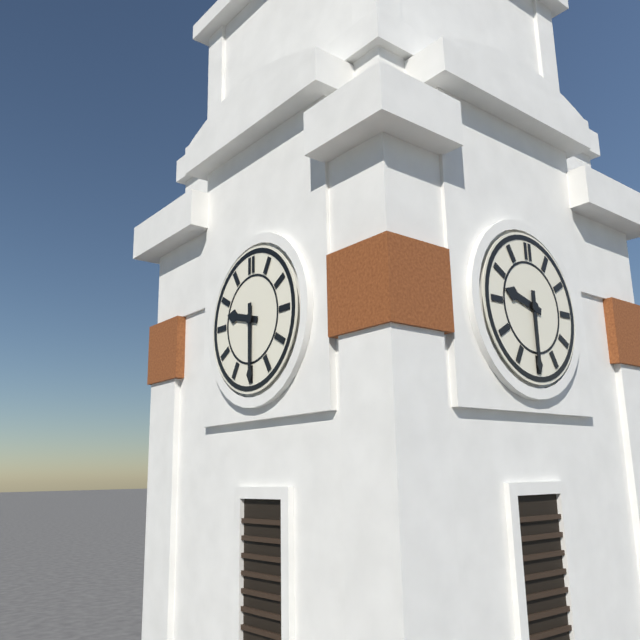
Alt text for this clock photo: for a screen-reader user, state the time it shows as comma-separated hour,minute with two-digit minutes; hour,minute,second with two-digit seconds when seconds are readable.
9,30
